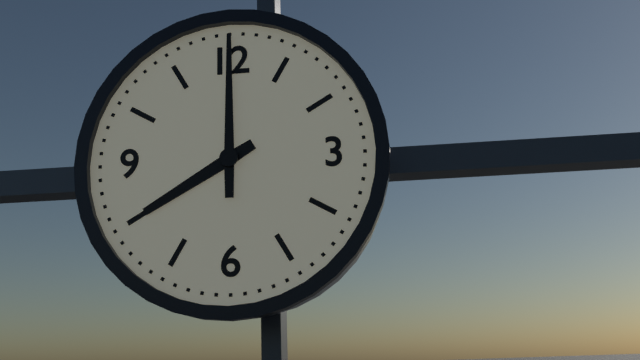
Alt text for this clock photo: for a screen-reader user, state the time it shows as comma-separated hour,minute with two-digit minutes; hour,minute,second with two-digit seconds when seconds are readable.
8,00
